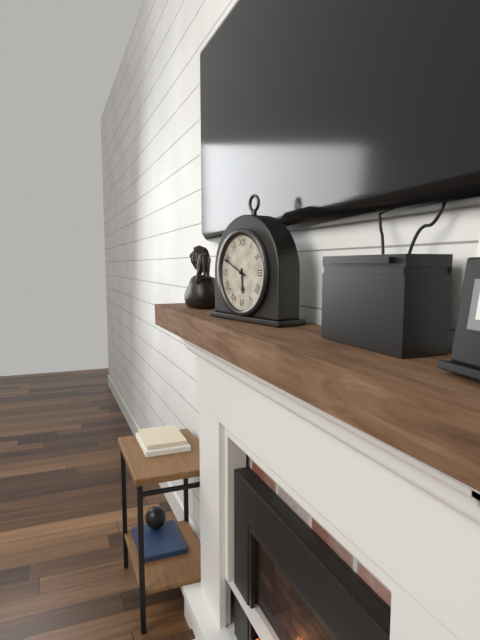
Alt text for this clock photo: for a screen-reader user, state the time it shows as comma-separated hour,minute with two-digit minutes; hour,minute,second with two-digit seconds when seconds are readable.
5,49
